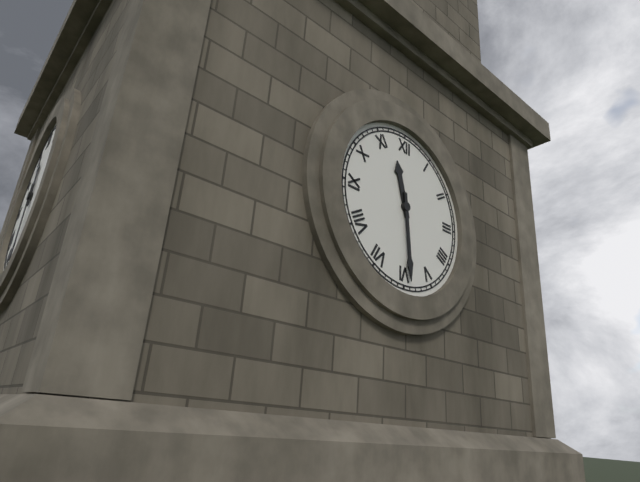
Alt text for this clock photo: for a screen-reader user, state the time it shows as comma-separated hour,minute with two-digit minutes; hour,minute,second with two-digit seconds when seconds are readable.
11,29
